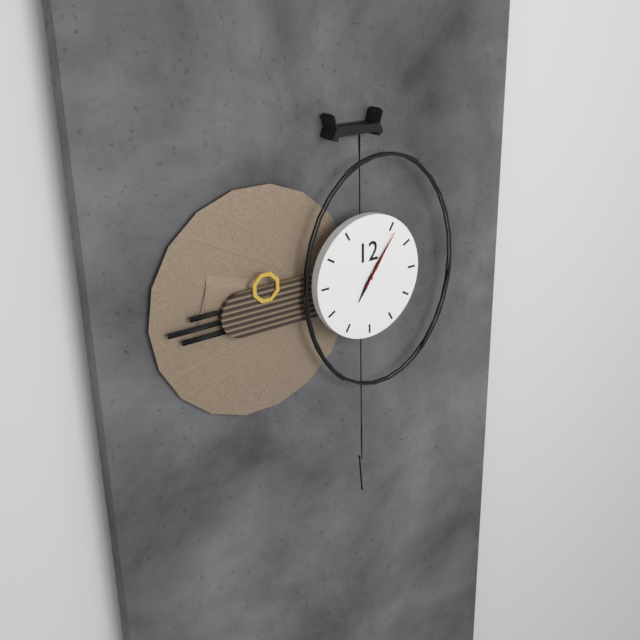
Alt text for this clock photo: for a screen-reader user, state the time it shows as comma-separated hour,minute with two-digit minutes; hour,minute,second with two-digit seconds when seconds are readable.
7,06,06
